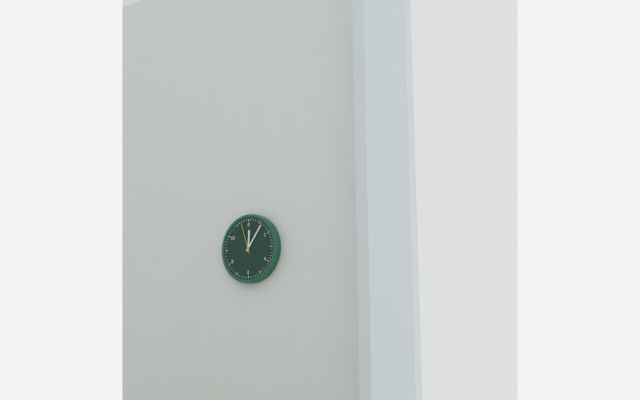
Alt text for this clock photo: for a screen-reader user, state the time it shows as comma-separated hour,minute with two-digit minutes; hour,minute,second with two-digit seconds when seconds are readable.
12,06
